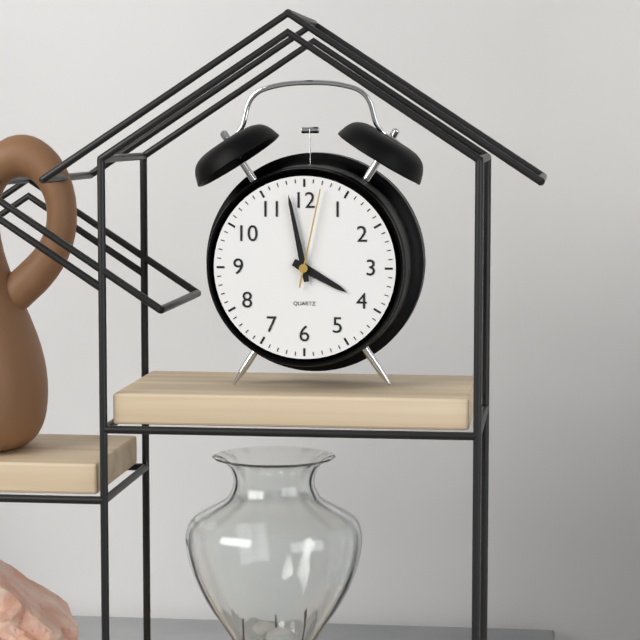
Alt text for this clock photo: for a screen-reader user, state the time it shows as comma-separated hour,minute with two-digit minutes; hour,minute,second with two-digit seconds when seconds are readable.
3,58,02
